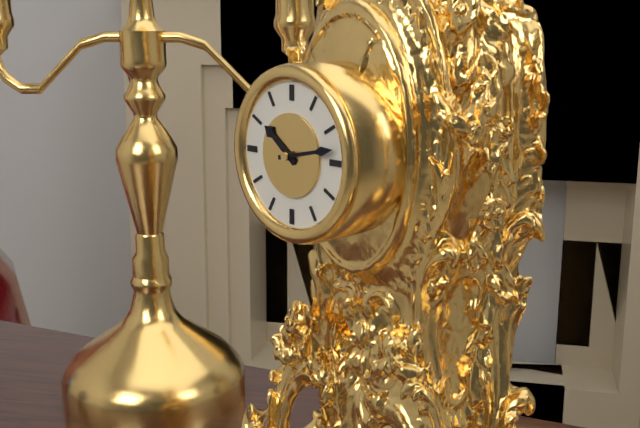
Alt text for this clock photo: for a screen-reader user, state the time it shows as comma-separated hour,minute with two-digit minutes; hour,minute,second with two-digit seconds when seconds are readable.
10,13
